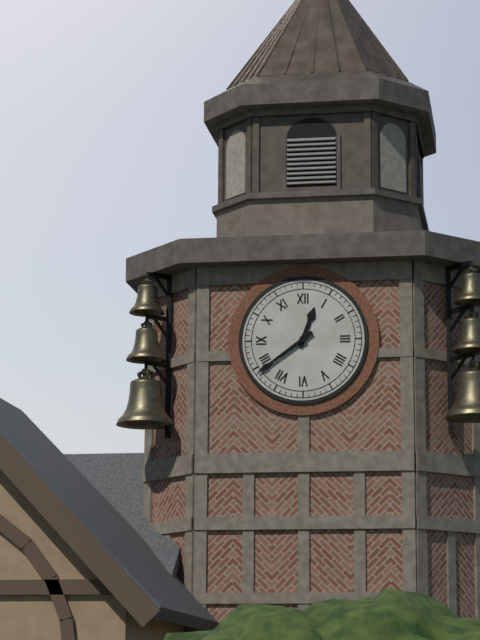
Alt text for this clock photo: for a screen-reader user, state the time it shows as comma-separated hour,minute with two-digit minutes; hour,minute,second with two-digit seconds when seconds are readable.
12,39
